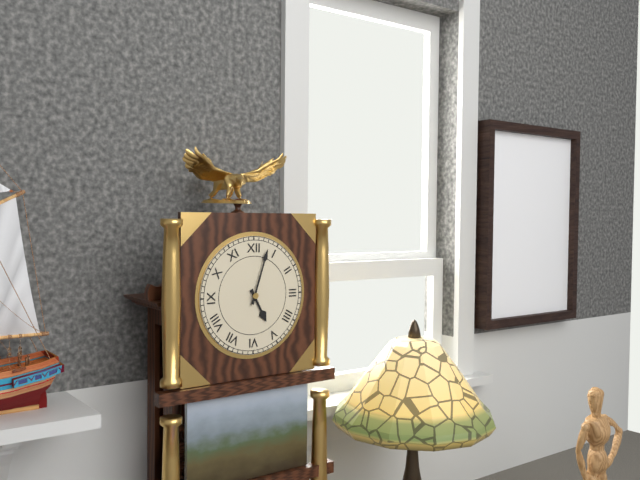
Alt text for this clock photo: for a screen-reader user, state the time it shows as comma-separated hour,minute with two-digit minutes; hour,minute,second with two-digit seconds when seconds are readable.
5,03
